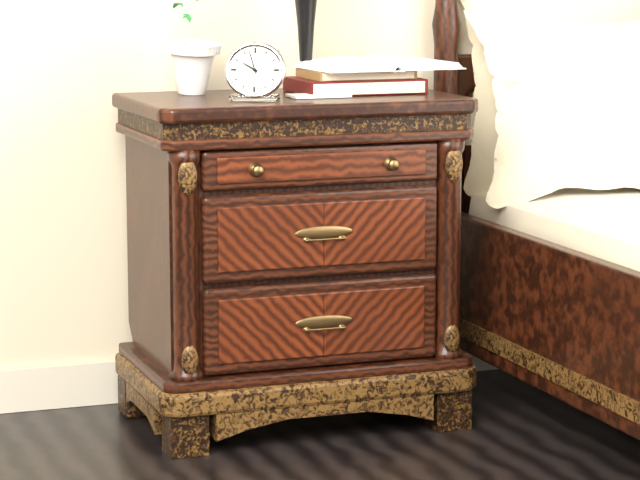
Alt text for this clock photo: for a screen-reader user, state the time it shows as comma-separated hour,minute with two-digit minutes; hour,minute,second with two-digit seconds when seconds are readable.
9,57
